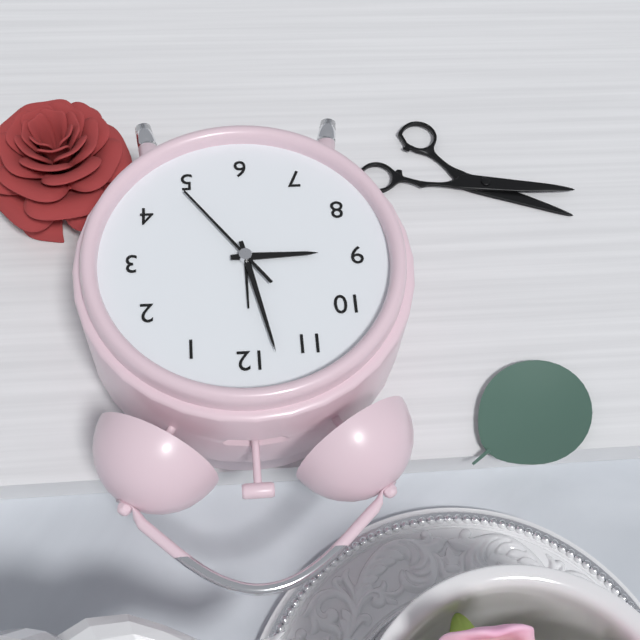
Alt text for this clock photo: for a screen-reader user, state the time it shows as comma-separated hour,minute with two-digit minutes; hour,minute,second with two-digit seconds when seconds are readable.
8,58,24
